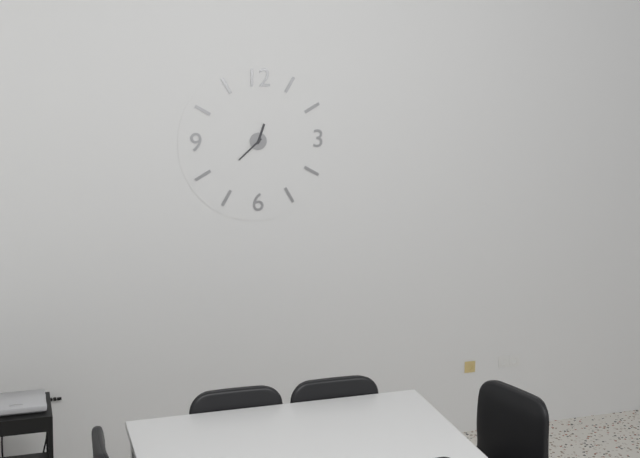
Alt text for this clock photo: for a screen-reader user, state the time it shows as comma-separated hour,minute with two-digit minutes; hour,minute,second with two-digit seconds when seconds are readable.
12,38
